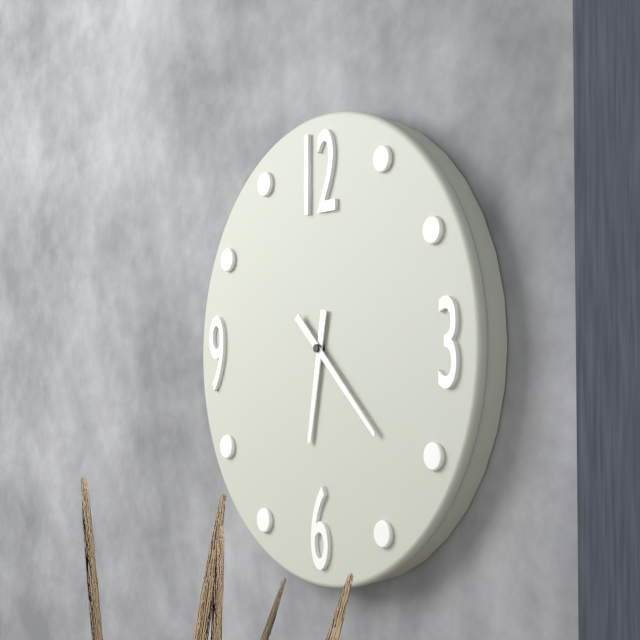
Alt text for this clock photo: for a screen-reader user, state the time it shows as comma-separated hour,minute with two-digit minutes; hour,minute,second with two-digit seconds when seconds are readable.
6,22
